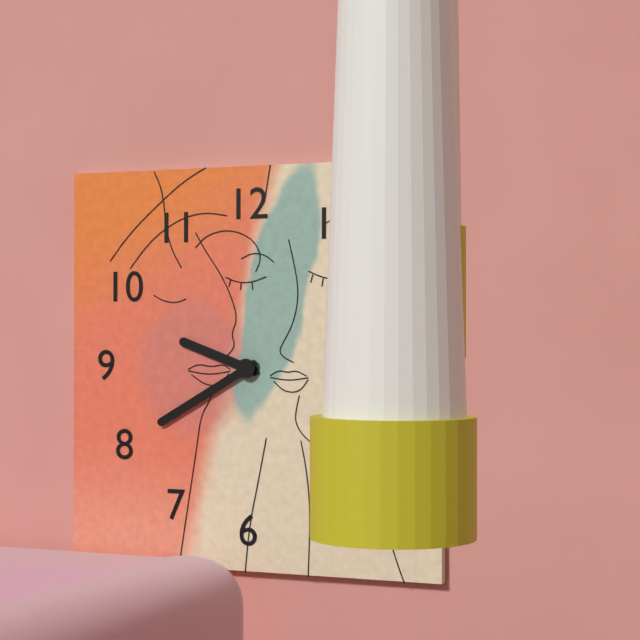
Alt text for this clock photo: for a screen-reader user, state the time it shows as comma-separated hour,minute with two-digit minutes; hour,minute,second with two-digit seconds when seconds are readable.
9,40
